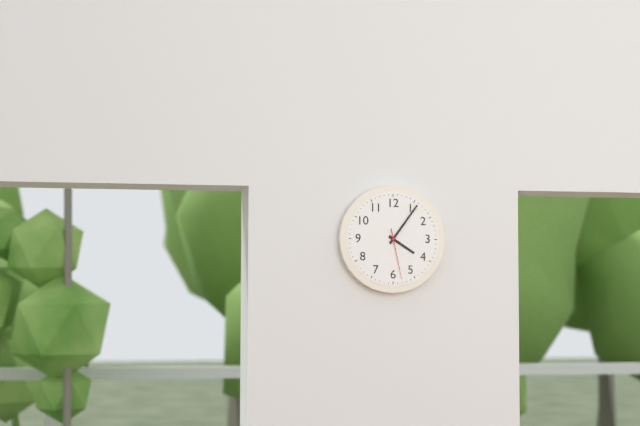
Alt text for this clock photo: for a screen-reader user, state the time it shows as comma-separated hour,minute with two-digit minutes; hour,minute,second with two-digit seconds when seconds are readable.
4,06,28
